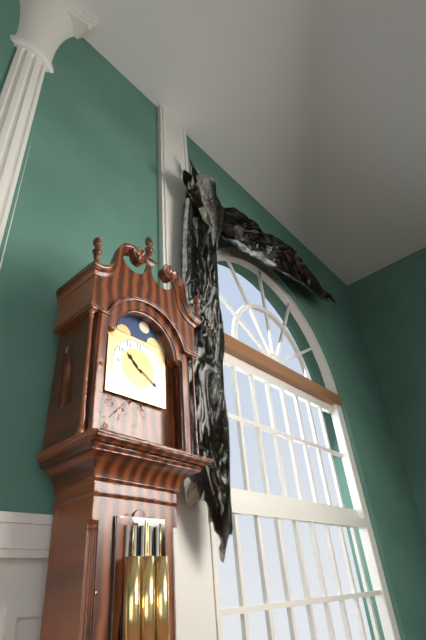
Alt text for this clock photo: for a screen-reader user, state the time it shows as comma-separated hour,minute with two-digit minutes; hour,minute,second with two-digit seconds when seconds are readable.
10,20
